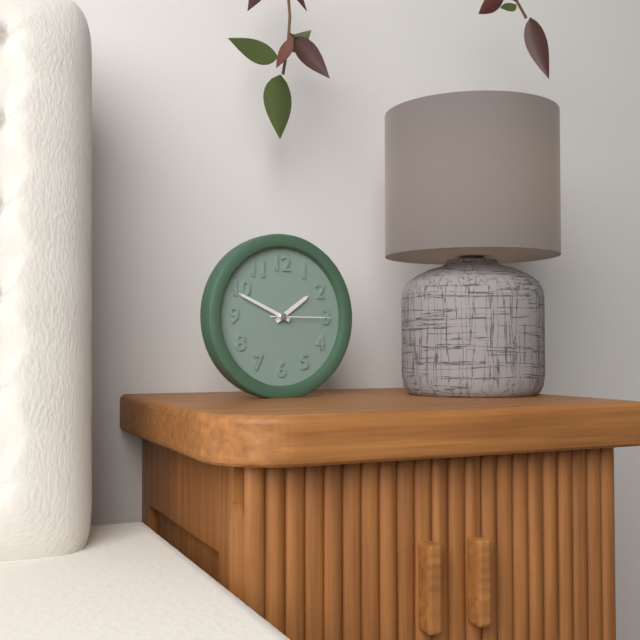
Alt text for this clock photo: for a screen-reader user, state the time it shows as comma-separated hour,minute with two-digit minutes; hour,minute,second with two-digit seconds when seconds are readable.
1,49,15
